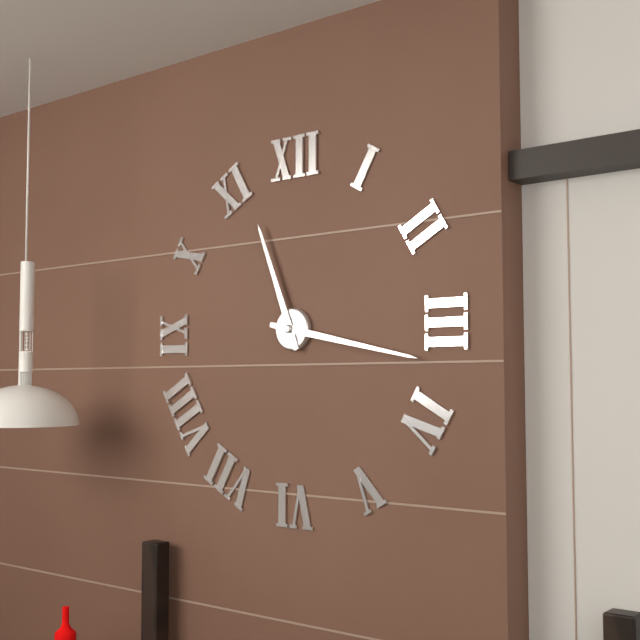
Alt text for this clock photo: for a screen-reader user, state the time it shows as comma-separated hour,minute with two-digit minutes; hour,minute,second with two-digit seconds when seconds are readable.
11,17
